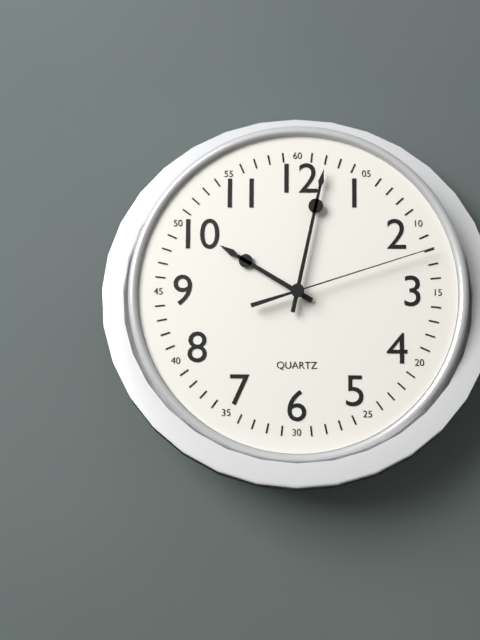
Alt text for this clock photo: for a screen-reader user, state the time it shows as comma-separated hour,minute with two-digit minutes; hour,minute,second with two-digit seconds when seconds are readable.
10,02,12
